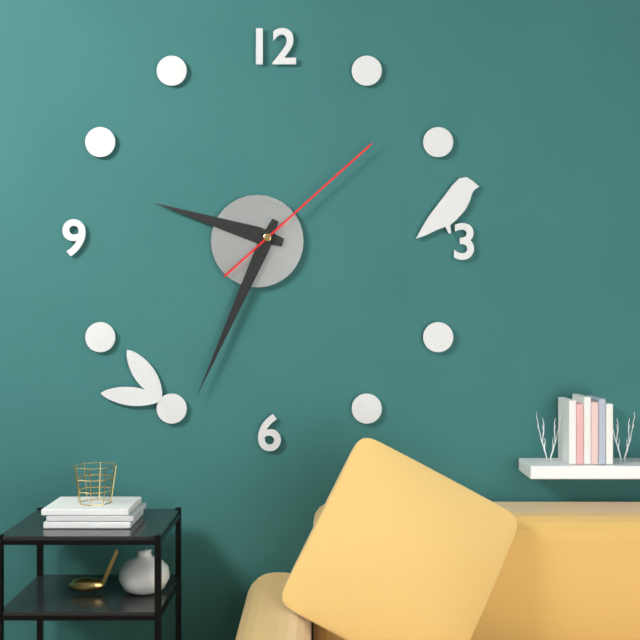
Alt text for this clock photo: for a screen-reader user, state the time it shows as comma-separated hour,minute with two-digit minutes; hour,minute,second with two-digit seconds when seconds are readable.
9,34,08
